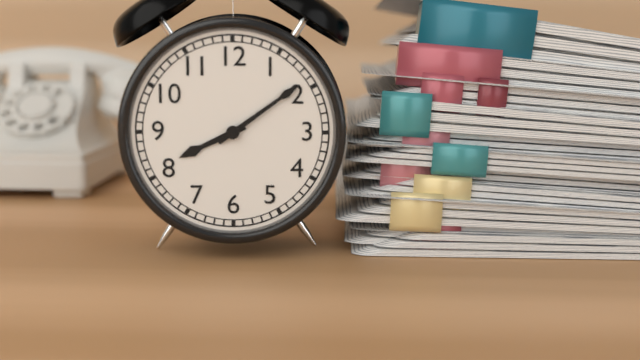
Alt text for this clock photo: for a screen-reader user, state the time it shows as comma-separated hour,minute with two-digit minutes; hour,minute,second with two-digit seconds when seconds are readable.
8,09
